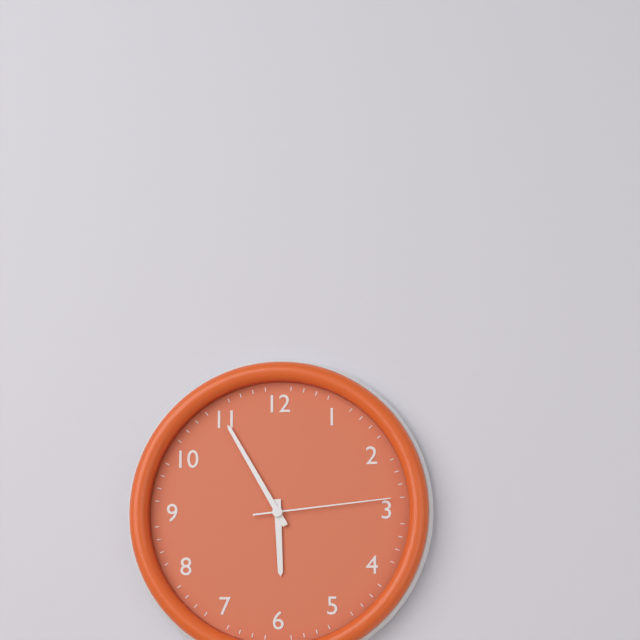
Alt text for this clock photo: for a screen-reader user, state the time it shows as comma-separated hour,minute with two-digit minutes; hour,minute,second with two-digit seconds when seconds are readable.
5,55,14
